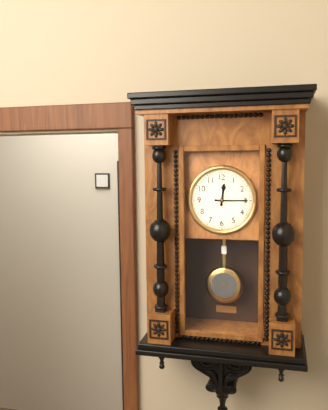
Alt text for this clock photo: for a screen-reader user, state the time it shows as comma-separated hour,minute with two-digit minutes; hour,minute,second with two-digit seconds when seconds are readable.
12,15
